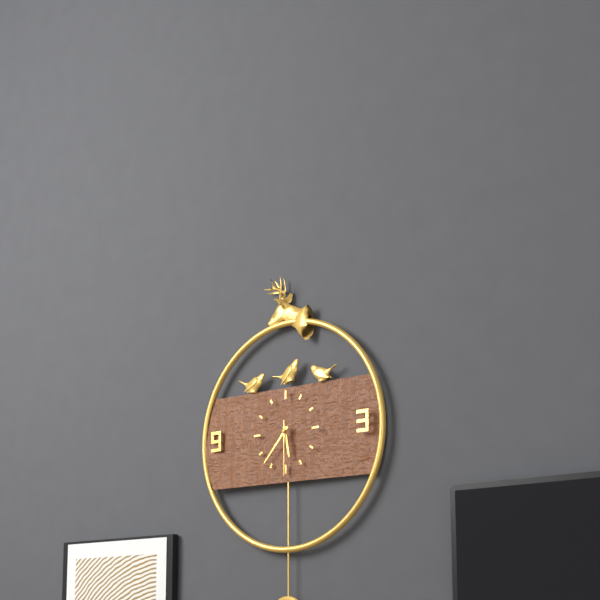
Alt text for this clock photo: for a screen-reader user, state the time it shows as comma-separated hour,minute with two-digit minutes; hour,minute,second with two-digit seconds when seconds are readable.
5,37,30
